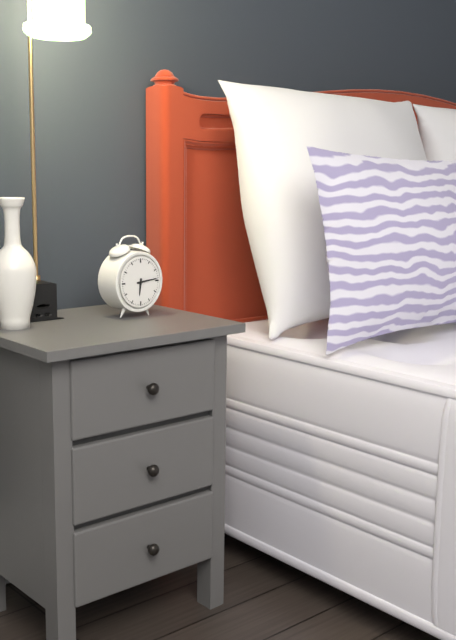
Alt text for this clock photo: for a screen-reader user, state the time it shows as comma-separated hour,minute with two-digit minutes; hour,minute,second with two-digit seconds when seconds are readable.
6,14
